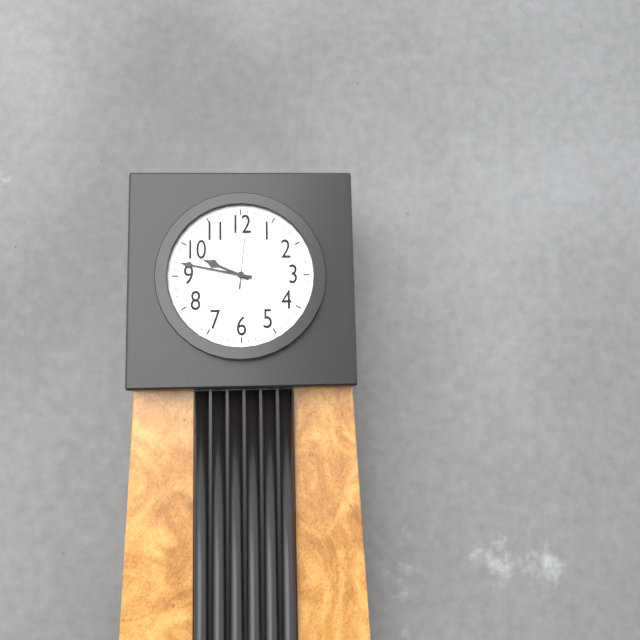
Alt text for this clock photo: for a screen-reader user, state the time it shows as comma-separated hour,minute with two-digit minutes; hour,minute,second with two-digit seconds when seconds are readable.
9,47,01
